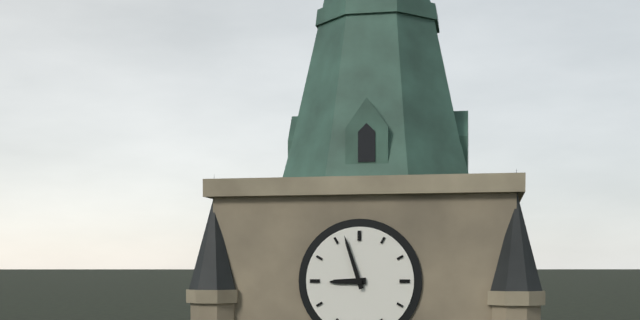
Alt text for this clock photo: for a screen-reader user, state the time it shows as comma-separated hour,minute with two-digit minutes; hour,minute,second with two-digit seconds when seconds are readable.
8,57
